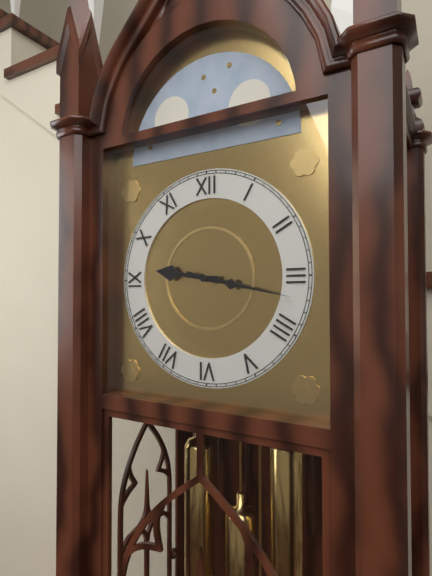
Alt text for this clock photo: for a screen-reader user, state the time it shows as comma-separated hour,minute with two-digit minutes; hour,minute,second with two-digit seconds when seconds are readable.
9,17
